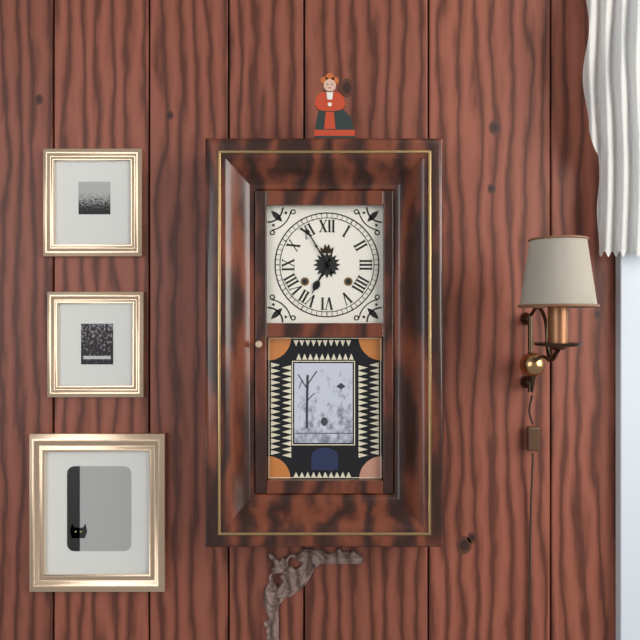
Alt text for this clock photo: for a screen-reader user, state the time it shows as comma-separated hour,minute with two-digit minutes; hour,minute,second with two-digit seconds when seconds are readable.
6,55
